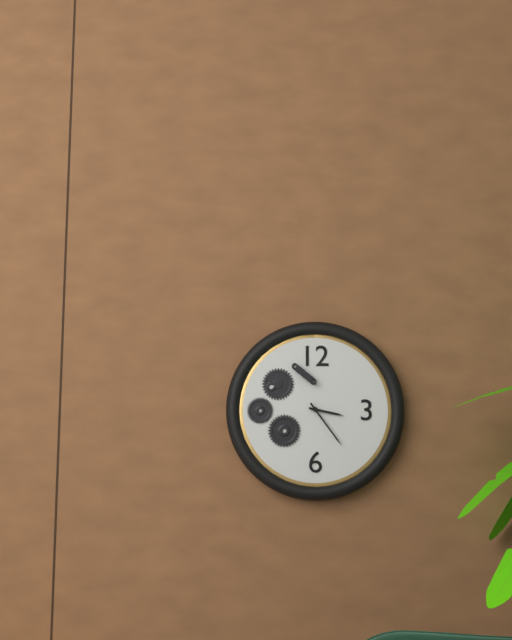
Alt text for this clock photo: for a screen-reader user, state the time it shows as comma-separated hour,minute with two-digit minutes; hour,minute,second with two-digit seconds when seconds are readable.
3,24
